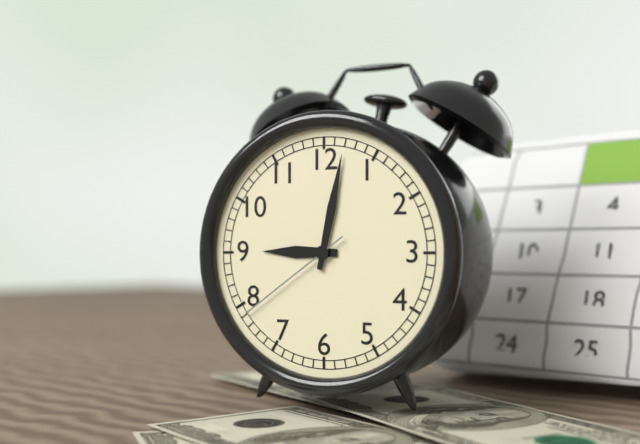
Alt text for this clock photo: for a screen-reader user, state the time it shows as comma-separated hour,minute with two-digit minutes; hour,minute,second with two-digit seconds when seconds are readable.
9,02,39
